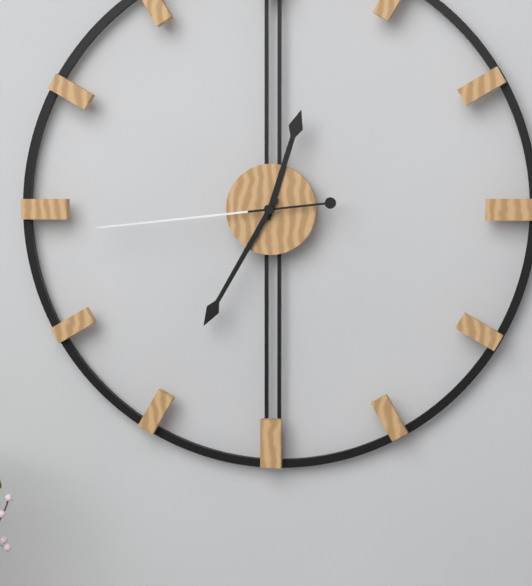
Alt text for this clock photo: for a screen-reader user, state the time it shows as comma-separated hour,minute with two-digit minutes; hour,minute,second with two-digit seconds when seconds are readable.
12,35,44
